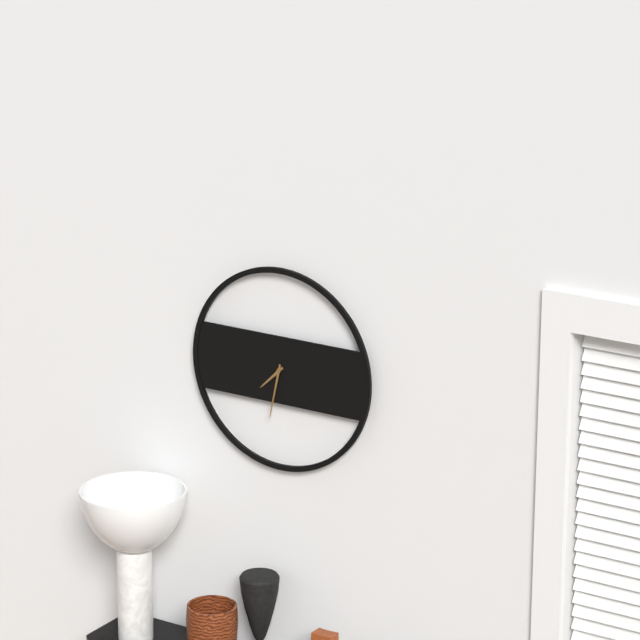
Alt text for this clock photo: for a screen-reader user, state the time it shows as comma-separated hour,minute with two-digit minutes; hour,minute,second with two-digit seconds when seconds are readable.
7,32
